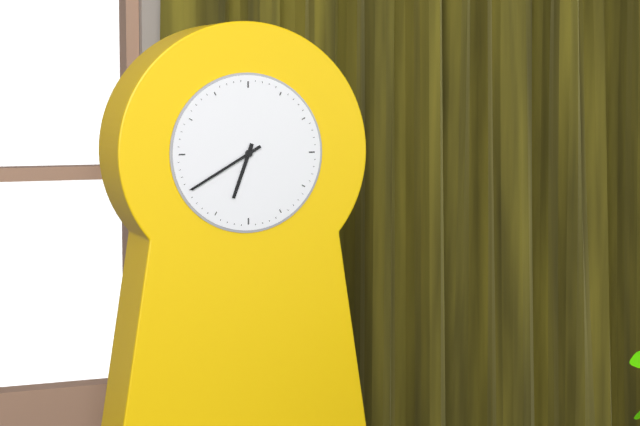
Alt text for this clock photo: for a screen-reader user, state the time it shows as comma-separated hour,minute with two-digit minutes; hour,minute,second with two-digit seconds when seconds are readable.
6,40
